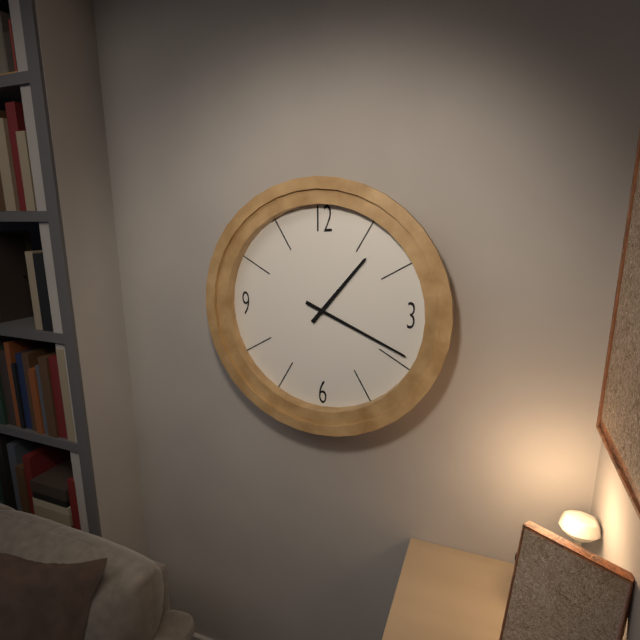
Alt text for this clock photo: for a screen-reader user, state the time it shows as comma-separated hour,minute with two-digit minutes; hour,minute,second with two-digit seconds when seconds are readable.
1,19
